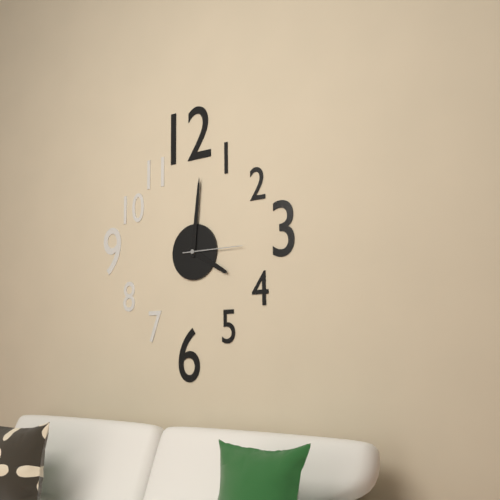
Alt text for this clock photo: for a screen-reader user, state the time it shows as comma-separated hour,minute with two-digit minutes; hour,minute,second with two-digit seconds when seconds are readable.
4,01,15
